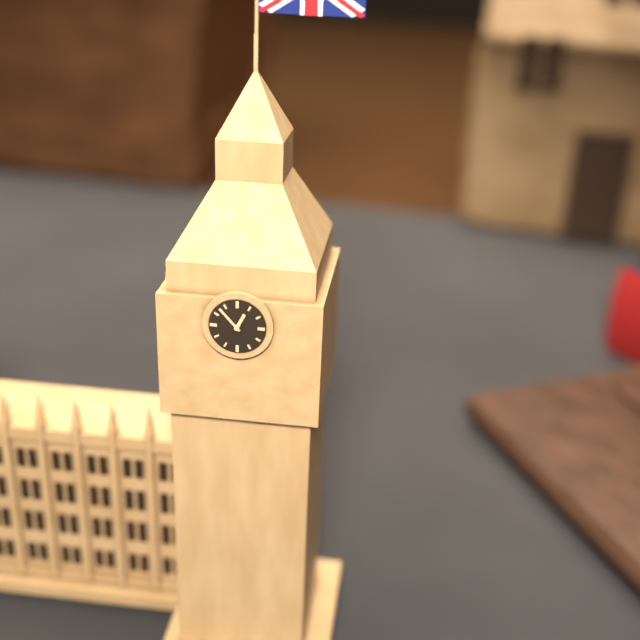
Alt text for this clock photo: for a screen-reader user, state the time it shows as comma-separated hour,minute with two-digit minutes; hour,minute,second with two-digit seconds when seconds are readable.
12,53
